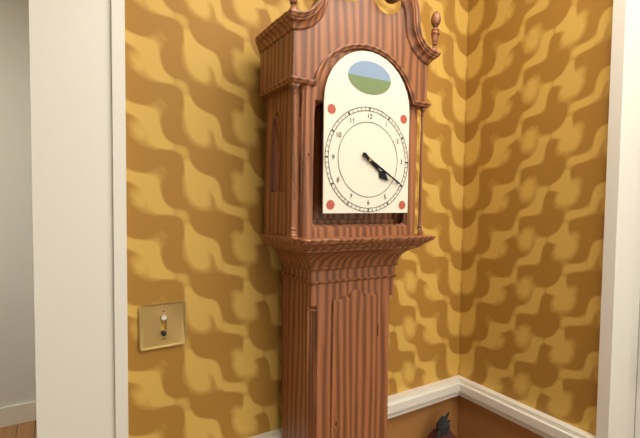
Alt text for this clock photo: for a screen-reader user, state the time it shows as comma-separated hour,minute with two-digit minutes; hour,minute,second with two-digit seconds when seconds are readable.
4,20
